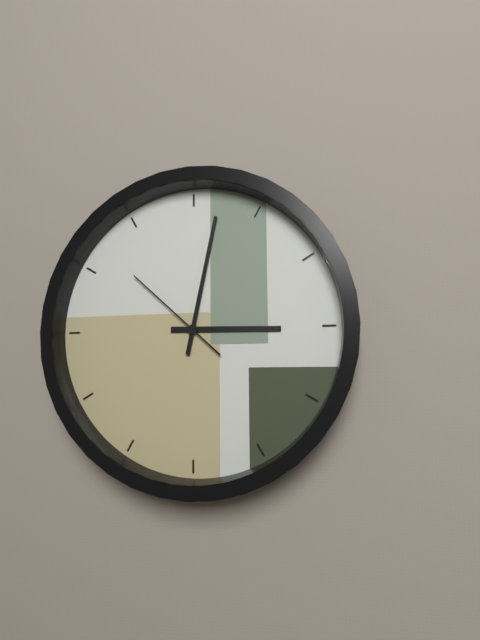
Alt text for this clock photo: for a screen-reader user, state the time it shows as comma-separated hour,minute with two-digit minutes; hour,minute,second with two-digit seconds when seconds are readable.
3,02,52
